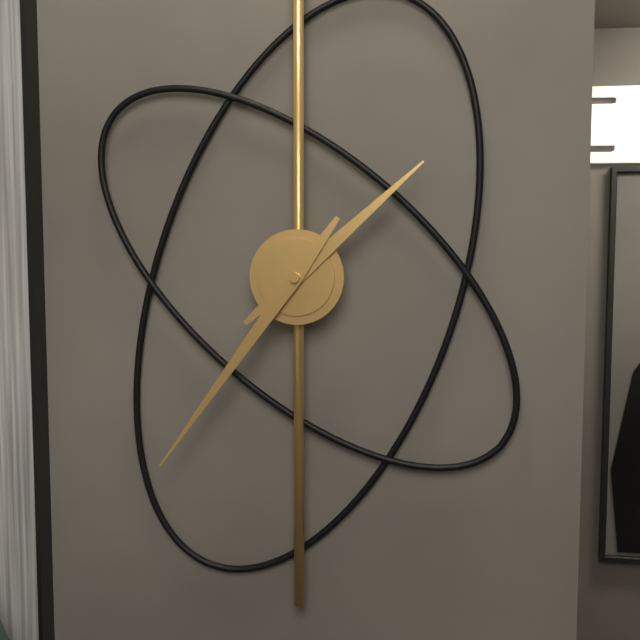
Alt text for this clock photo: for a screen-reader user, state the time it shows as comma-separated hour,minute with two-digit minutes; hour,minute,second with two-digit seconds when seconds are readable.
1,36
